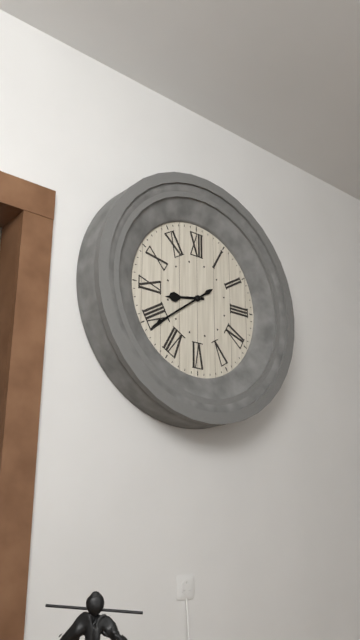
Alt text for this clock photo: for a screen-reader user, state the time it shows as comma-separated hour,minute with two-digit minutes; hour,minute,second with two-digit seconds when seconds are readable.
8,39
